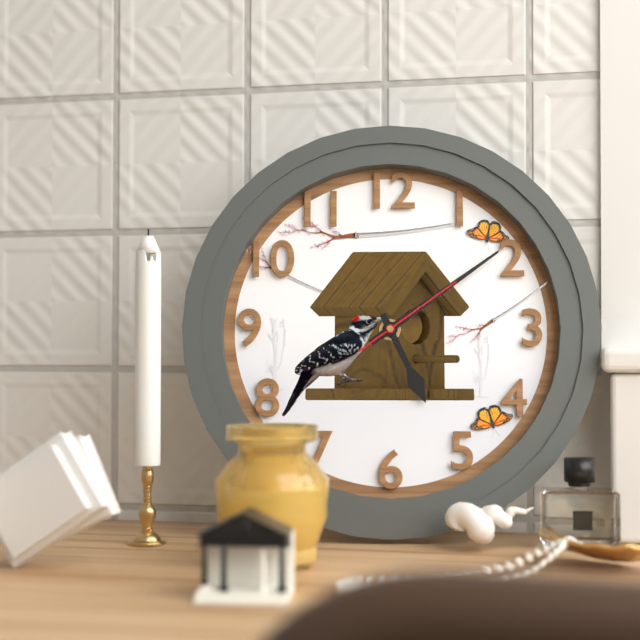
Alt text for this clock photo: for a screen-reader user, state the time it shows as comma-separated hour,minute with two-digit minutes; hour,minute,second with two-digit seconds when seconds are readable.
5,09,09
